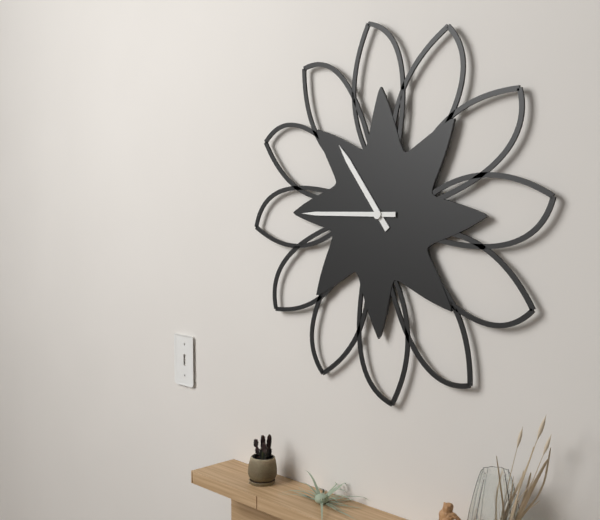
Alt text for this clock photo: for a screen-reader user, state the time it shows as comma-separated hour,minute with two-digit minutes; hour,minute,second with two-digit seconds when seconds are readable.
10,45
